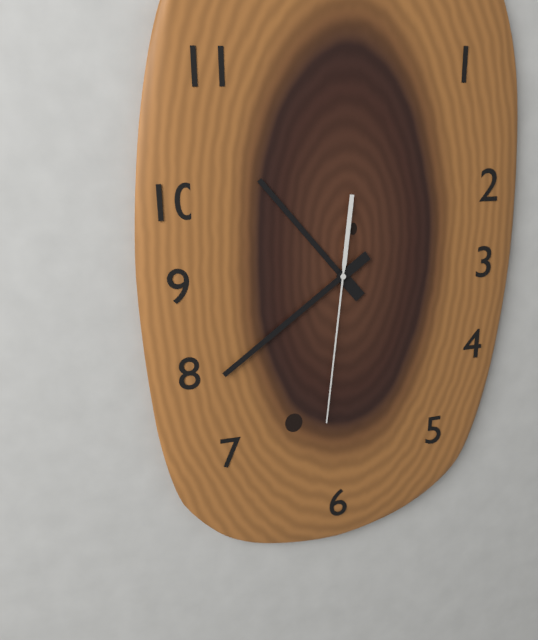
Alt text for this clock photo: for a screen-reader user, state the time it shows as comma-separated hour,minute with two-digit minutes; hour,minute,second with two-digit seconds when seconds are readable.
10,39,31
